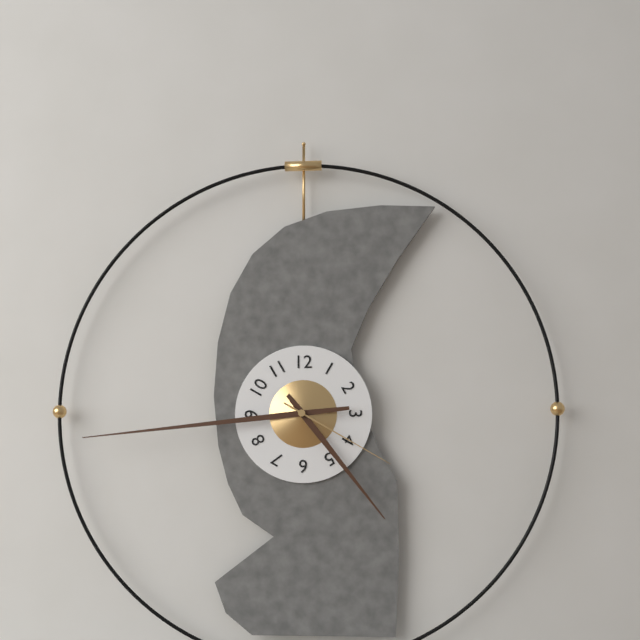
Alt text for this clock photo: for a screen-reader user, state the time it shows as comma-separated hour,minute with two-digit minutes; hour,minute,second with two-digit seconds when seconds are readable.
4,44,20
